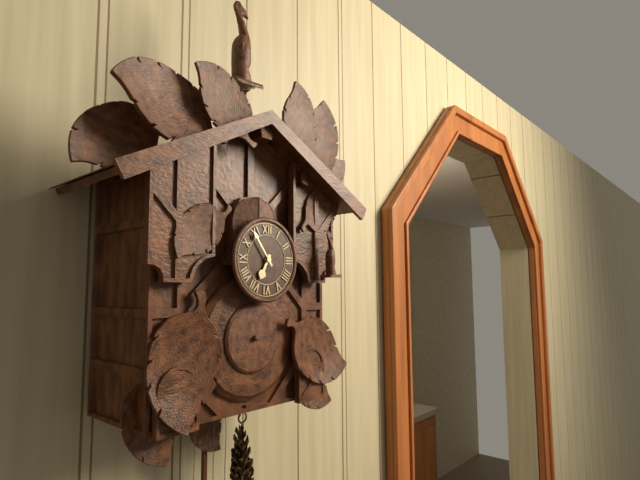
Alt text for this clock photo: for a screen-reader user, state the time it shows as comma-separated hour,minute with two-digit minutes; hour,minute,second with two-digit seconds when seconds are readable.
6,54
